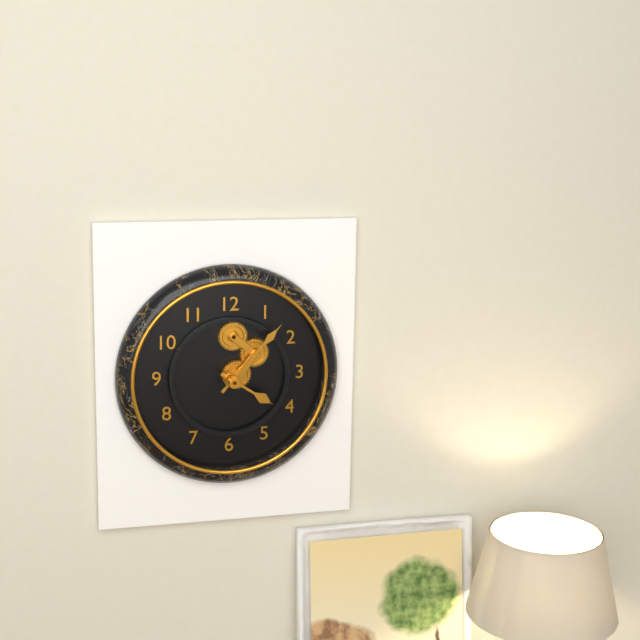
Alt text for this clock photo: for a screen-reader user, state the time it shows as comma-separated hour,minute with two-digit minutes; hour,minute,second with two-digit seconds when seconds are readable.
4,07
